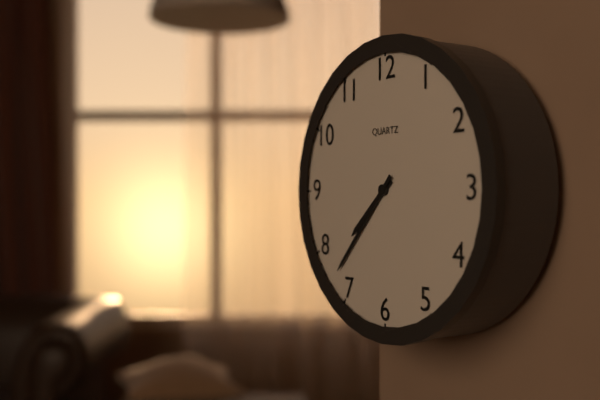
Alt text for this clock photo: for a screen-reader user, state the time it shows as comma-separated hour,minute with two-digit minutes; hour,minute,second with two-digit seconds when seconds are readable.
7,37
